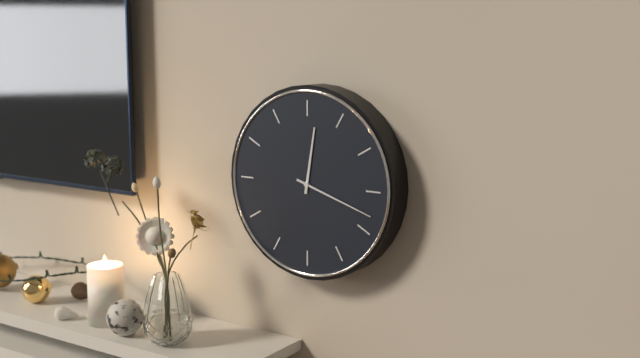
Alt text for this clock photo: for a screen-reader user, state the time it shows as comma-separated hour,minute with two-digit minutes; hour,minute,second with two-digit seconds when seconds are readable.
12,18
